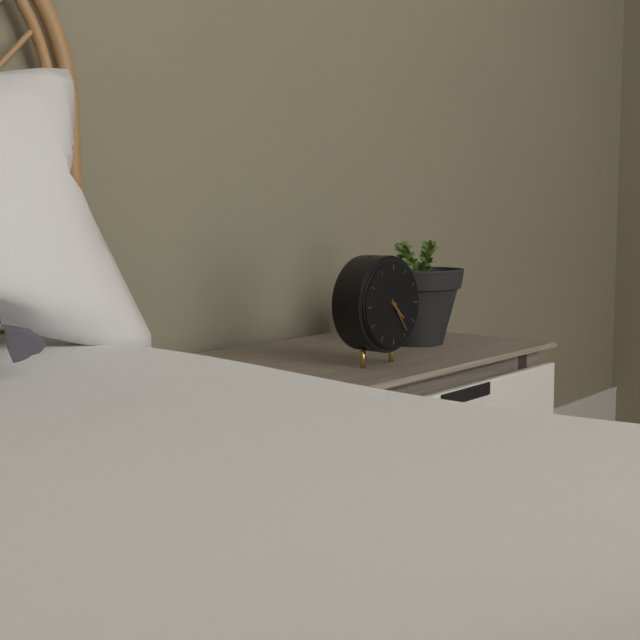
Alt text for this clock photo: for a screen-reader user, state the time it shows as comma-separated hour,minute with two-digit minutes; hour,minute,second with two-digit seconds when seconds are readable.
4,24
